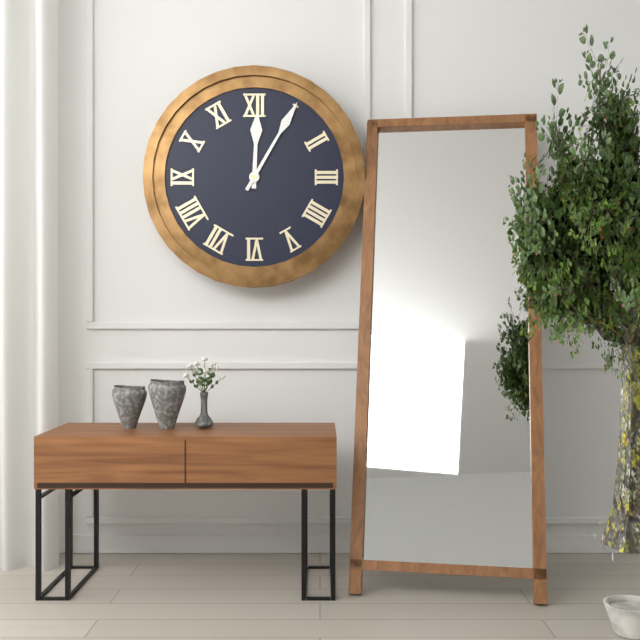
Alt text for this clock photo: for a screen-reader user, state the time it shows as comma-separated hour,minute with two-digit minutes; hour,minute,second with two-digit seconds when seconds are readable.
12,05
